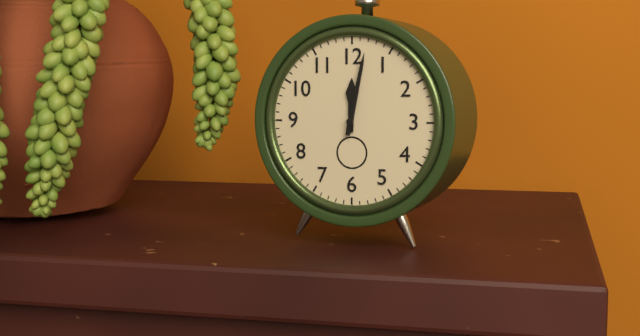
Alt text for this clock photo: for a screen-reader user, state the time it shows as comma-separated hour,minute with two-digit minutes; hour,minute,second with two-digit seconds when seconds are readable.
12,02
